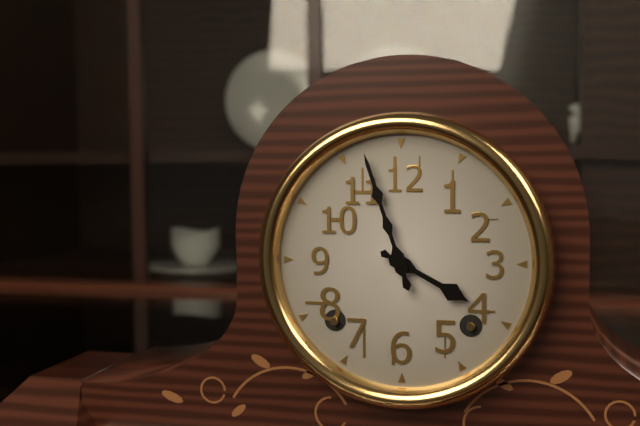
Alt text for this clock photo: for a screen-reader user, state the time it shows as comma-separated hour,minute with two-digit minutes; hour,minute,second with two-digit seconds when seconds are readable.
3,57
